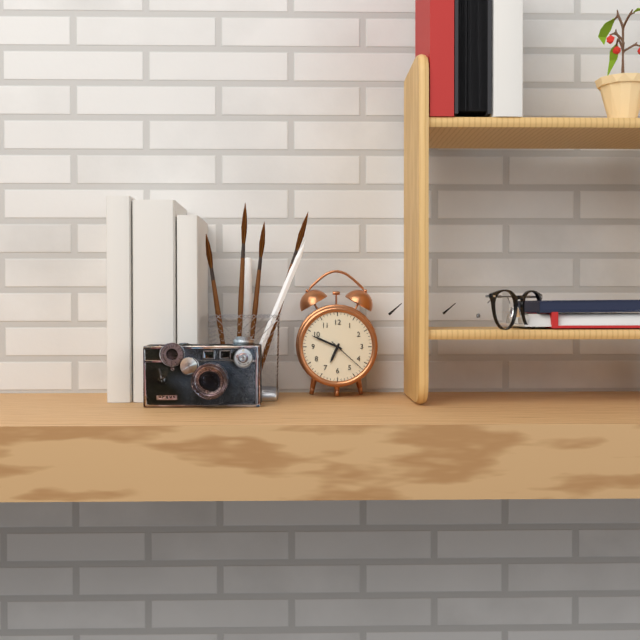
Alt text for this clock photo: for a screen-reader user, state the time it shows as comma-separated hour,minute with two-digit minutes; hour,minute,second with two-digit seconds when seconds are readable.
6,49
